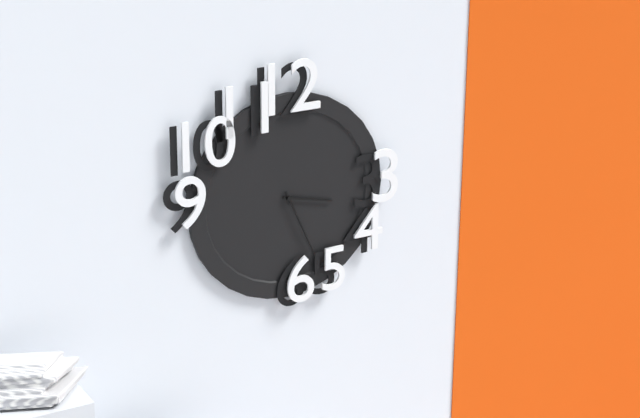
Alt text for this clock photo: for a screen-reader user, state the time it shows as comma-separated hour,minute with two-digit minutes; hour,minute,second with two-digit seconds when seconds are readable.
3,26
